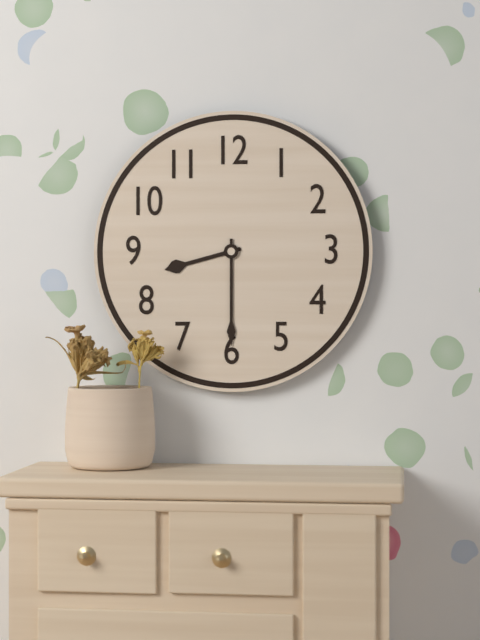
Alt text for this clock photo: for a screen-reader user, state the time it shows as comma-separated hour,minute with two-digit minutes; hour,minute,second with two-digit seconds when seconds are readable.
8,30
